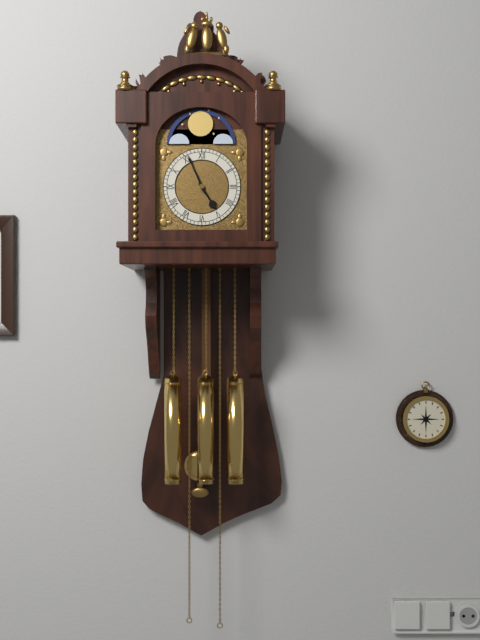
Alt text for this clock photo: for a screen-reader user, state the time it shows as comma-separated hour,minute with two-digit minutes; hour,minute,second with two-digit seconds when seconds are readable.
4,56
